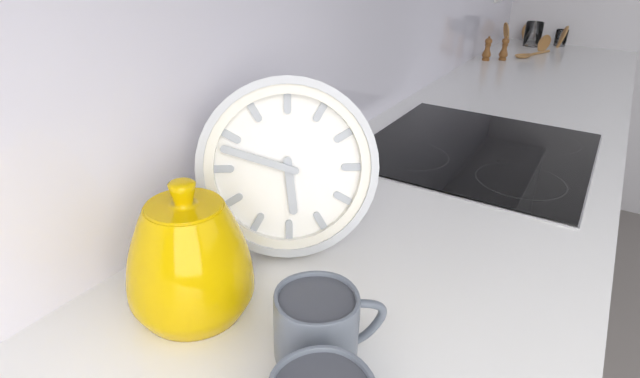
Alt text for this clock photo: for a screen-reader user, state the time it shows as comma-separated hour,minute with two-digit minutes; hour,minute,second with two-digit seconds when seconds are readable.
5,48
